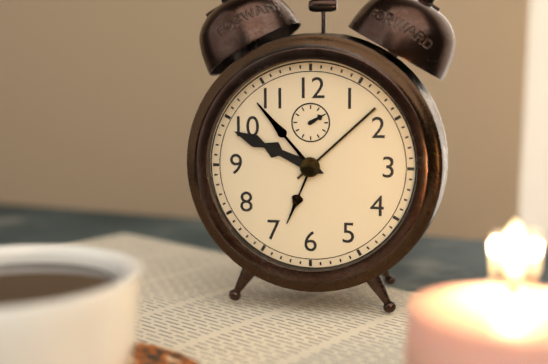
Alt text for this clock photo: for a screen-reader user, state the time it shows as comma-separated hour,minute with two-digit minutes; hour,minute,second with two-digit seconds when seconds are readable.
9,49
